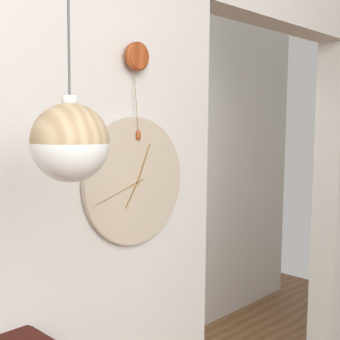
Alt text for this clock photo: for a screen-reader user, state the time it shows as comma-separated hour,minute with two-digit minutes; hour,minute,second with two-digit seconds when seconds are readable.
7,04,42
